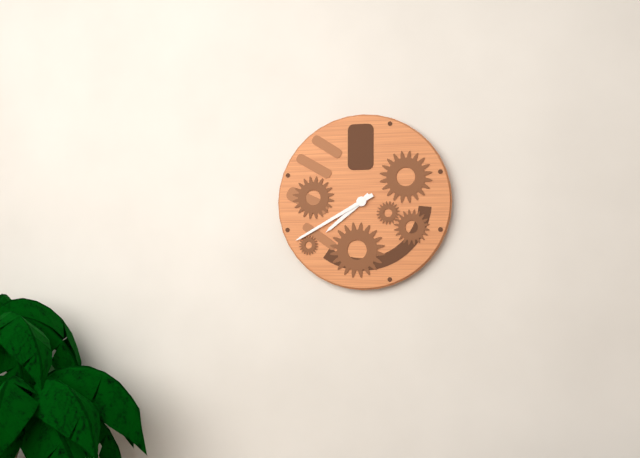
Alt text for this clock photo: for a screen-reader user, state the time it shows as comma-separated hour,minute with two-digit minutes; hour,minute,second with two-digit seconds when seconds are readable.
7,40
